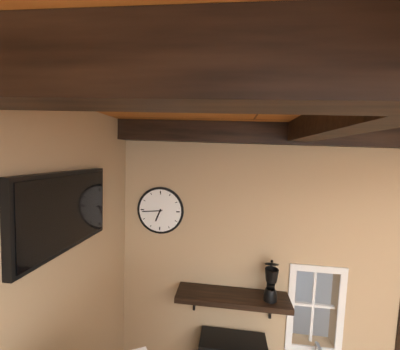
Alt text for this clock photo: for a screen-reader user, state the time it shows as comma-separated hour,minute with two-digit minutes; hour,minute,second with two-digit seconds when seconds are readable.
6,44
